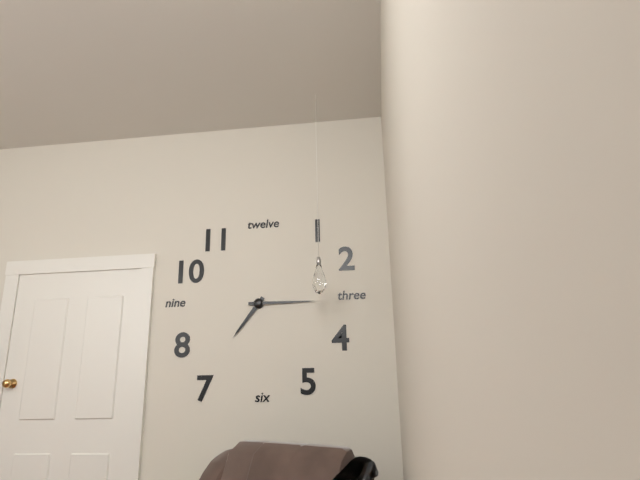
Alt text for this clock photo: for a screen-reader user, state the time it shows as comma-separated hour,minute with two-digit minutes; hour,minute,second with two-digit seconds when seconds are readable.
7,15
